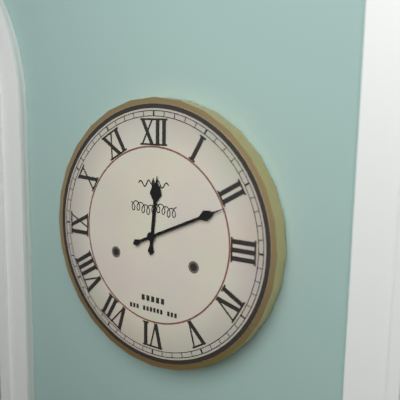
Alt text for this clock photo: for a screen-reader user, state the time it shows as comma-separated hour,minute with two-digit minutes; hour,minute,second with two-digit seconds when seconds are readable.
12,11
